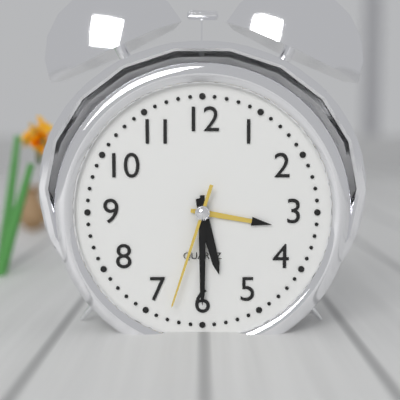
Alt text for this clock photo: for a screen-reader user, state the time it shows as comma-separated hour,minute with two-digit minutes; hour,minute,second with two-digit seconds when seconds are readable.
5,30,33
